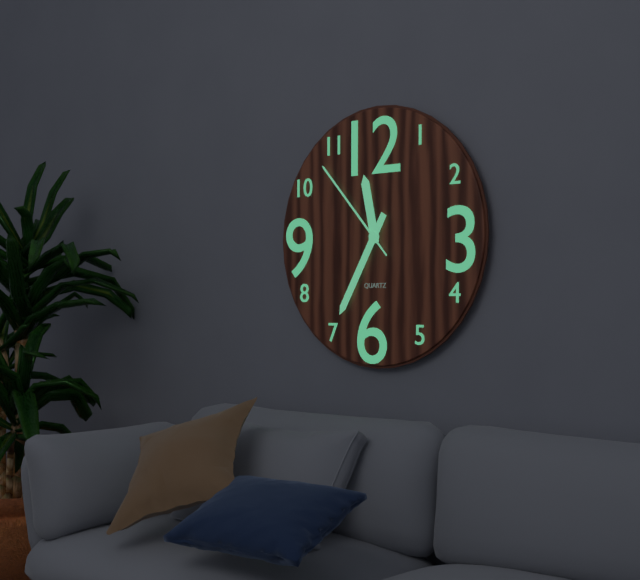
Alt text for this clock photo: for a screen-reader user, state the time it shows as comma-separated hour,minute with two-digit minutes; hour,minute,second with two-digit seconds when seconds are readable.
11,35,53
